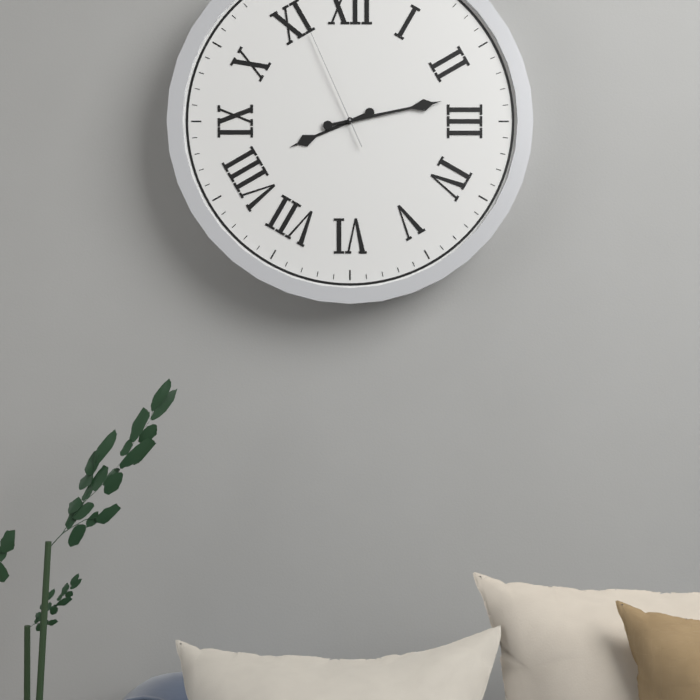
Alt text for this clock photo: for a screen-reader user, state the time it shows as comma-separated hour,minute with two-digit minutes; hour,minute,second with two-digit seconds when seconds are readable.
8,13,56
